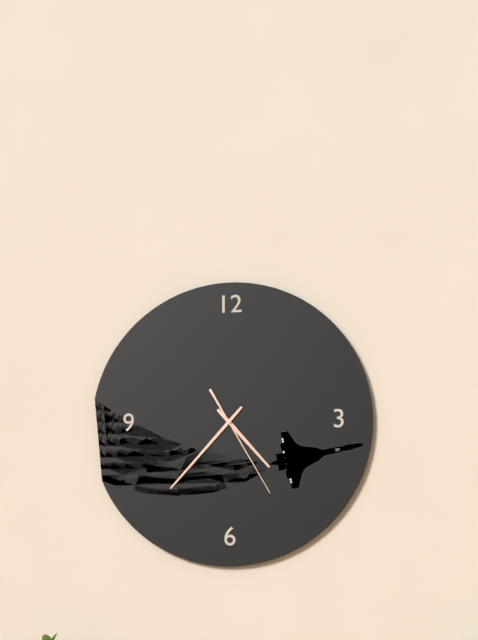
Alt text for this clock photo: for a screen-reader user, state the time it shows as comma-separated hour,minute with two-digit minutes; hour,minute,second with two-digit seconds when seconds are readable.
4,37,25
